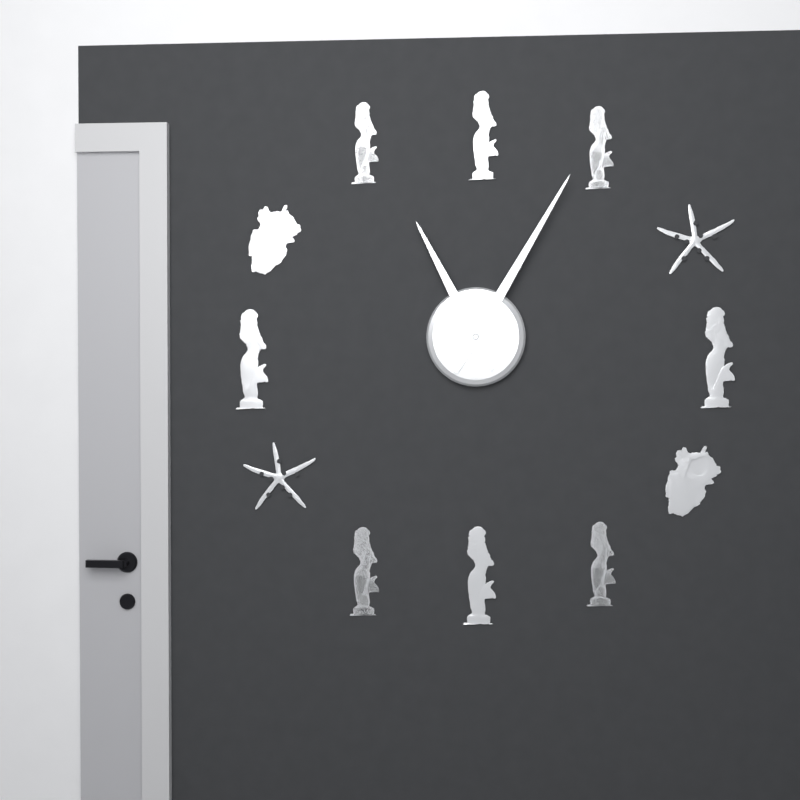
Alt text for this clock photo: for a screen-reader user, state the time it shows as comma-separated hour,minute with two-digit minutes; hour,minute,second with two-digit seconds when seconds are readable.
11,05
